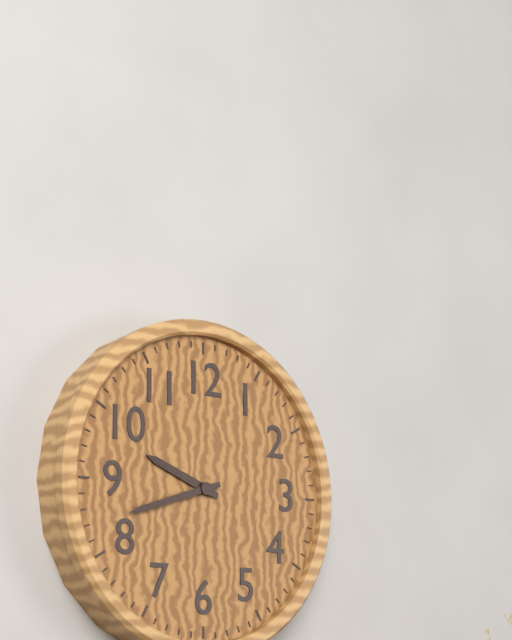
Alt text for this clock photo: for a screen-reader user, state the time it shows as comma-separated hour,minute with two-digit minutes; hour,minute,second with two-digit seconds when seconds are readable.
9,42
